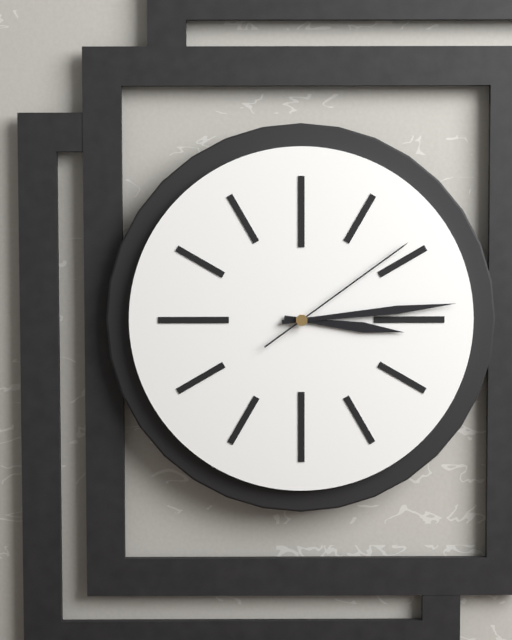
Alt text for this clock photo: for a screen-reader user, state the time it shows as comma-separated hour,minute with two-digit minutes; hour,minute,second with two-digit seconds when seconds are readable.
3,14,09
